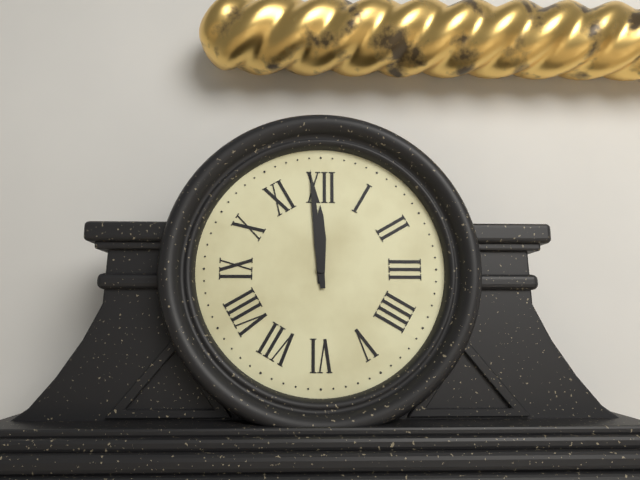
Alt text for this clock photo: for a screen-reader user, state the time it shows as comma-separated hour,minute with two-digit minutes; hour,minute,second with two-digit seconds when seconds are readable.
11,59
